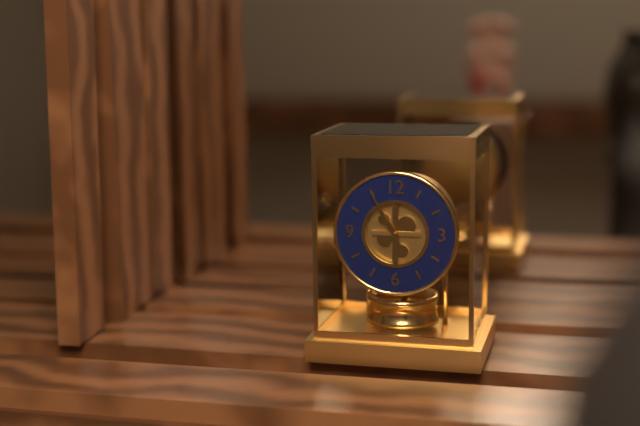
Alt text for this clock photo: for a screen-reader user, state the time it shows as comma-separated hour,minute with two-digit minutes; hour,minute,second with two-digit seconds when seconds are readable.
10,55
